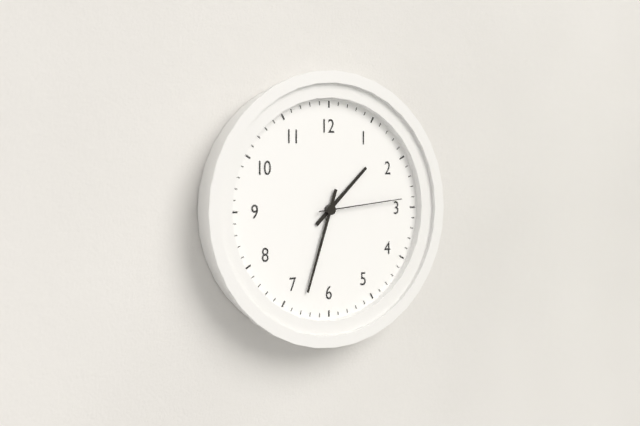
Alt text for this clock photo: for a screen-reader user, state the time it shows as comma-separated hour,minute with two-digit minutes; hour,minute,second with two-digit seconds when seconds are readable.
1,33,14
